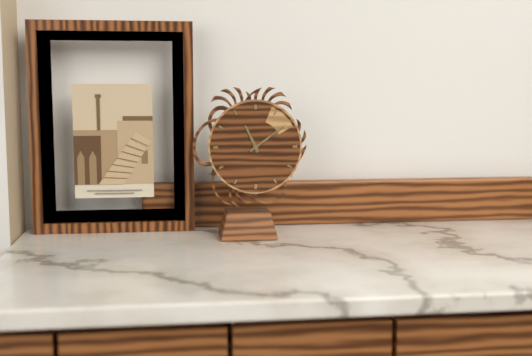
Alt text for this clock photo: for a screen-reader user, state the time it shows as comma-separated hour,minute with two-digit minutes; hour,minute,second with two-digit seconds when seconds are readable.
11,09
